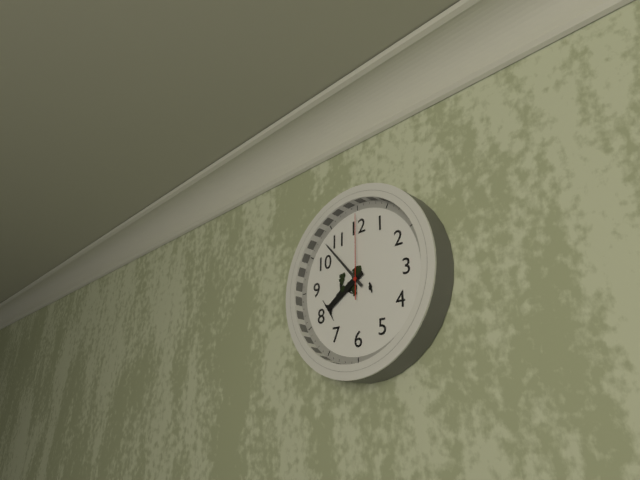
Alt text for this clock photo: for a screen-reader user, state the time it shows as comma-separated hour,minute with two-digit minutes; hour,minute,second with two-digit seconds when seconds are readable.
7,53,00
